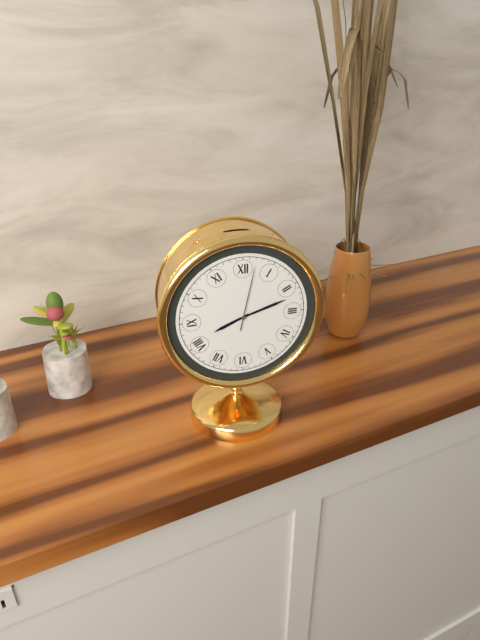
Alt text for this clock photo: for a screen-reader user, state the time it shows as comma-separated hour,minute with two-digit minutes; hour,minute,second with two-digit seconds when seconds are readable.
8,12,02
